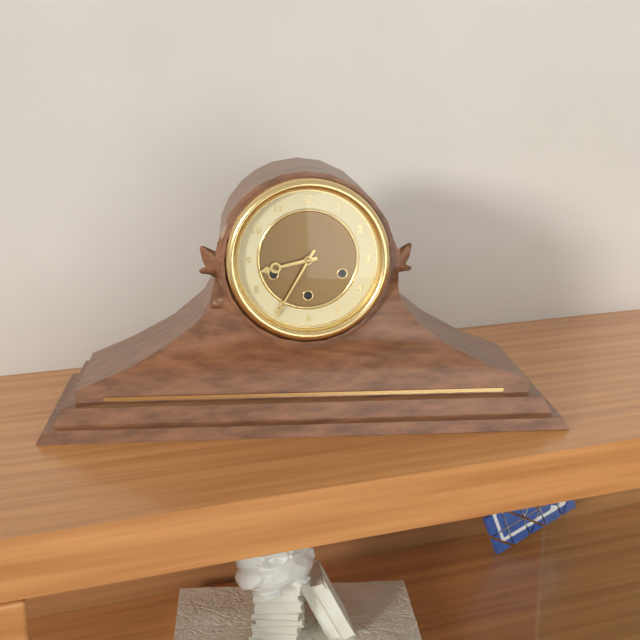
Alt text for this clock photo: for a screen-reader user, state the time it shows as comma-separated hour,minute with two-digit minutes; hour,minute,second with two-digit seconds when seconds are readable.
8,35
